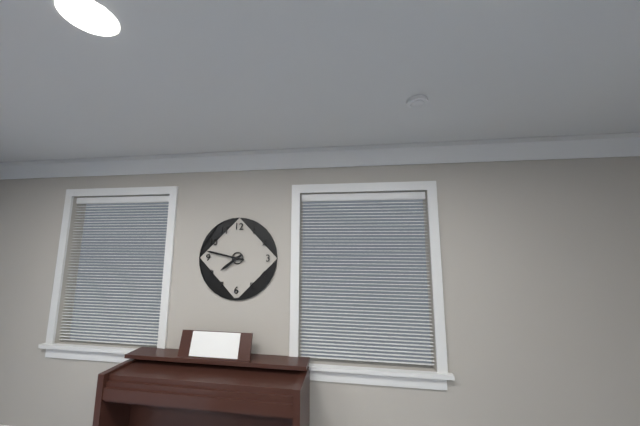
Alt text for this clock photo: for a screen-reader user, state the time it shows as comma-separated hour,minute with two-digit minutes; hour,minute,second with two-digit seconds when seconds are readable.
7,47
